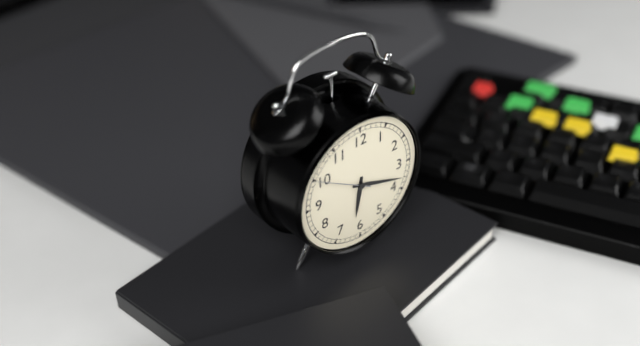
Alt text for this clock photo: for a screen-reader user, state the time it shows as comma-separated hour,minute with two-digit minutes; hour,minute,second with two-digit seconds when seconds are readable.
6,18,50
